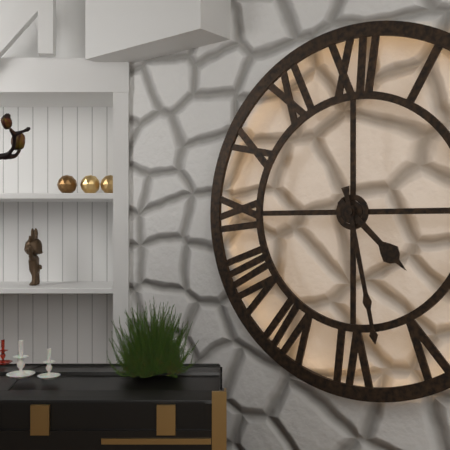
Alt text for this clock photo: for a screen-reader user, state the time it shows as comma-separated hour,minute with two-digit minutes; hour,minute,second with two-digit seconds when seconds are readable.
4,28
